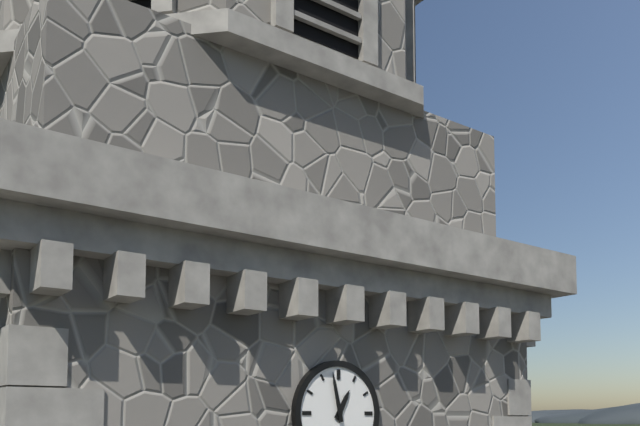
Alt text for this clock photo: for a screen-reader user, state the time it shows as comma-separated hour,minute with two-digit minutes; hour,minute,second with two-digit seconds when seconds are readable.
12,58
